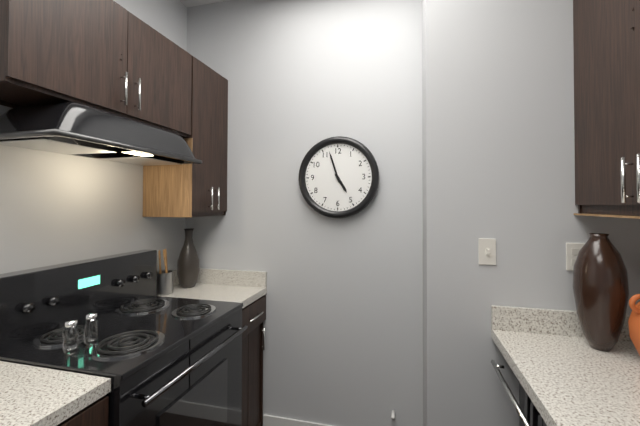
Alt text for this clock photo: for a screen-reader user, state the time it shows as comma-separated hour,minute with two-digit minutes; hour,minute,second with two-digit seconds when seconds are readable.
4,57
